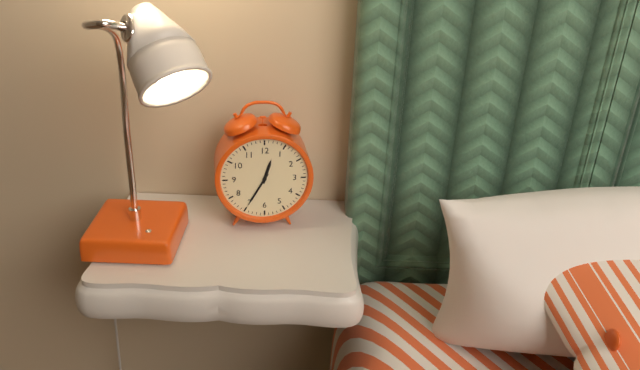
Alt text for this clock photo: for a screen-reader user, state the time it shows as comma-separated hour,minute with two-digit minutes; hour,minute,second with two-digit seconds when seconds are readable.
12,35
